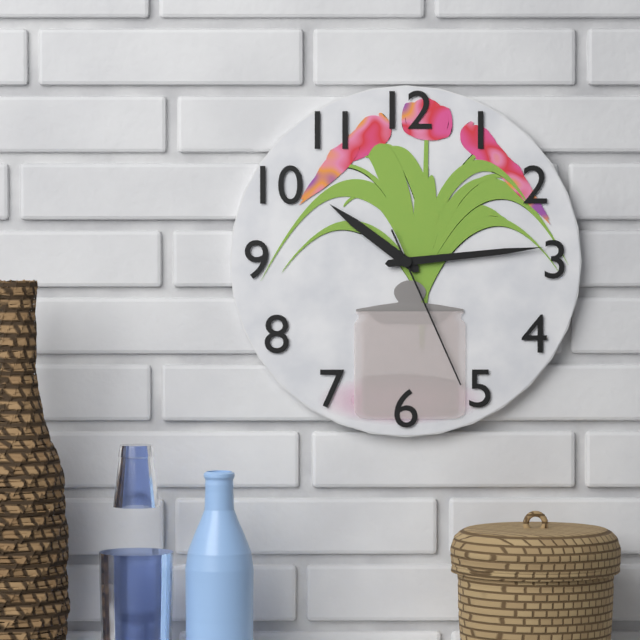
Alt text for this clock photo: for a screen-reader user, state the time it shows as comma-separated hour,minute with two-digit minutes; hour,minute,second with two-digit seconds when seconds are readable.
10,14,26
